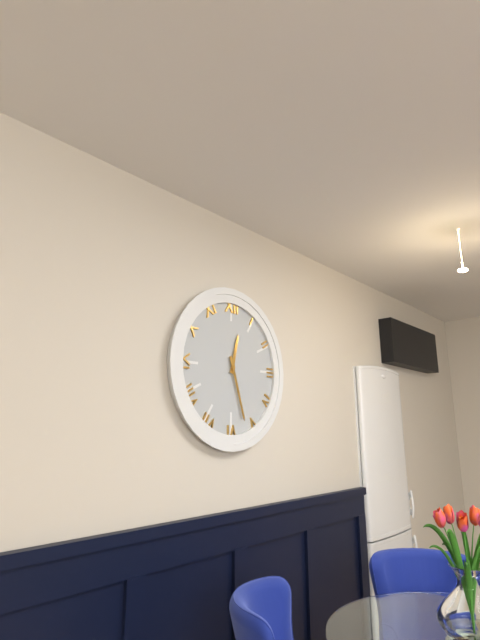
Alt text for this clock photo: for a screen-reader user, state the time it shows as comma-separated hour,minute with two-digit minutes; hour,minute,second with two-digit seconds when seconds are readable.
12,27
